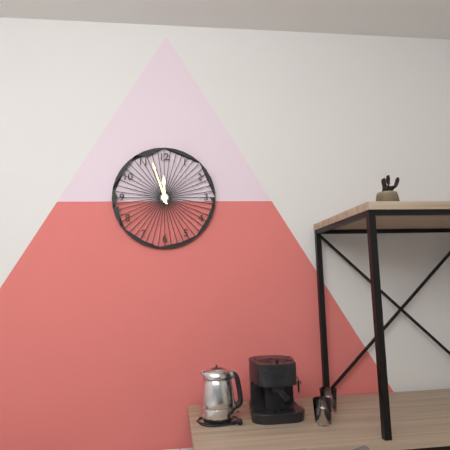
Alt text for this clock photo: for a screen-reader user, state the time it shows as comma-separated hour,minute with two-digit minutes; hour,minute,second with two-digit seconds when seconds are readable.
11,57
